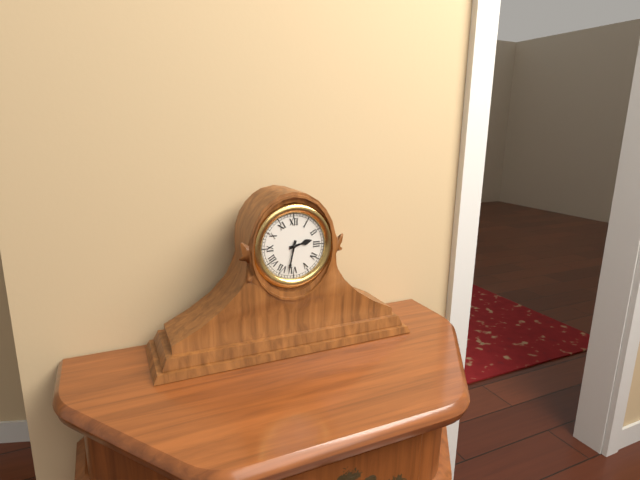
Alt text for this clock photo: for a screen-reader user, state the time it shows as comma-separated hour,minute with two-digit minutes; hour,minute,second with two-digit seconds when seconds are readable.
2,32
